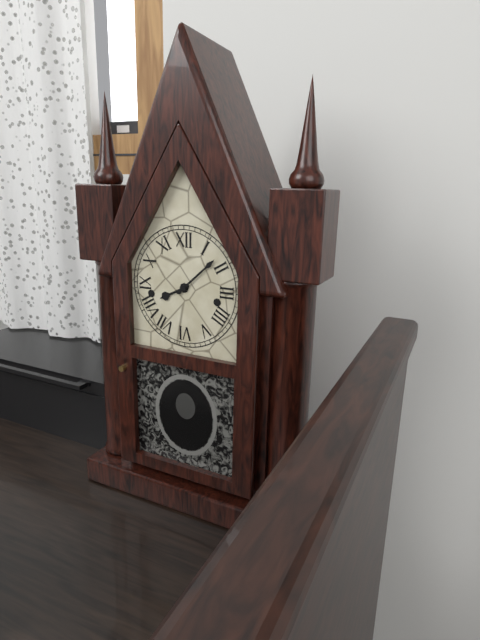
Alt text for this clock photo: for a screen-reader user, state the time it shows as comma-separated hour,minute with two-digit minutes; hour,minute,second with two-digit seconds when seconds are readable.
8,08
